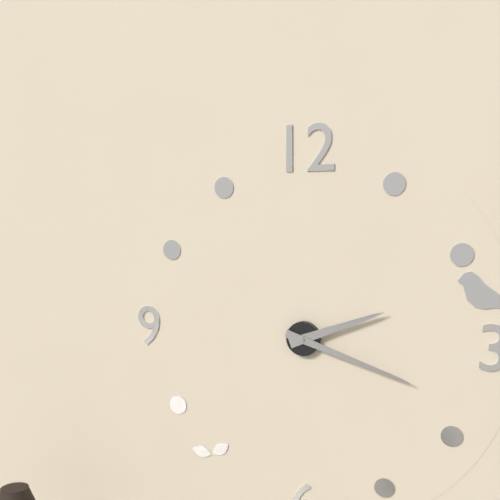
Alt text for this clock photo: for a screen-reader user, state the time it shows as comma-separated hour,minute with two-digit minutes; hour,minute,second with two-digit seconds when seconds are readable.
2,18
